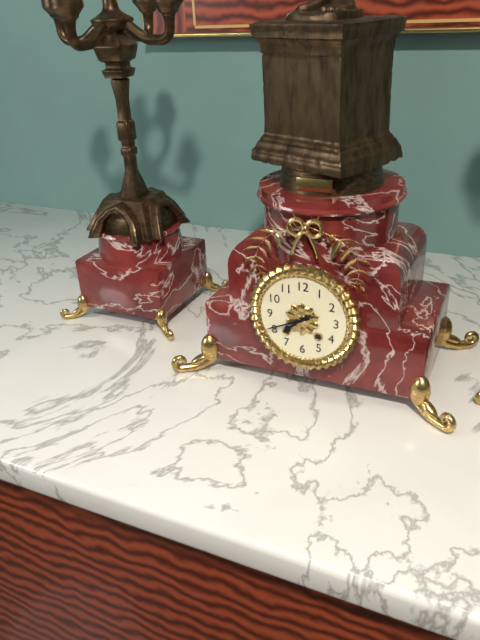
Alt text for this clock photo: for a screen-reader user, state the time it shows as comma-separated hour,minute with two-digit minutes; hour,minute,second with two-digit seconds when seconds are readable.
7,41
